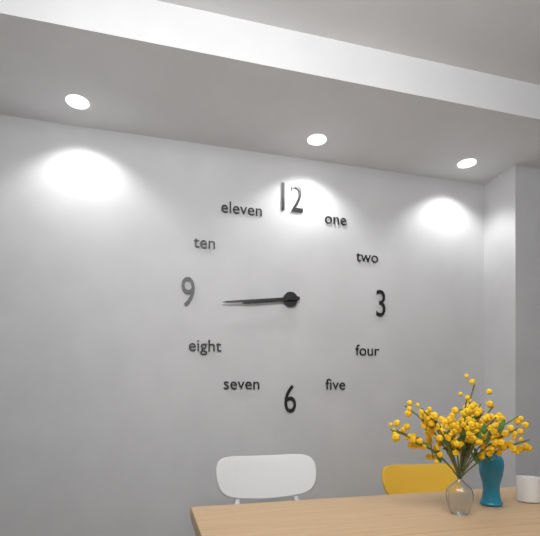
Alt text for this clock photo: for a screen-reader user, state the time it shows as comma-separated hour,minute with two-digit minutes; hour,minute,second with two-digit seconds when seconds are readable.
8,44
